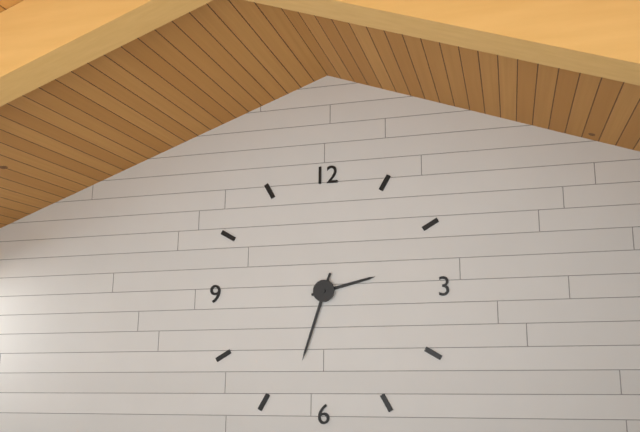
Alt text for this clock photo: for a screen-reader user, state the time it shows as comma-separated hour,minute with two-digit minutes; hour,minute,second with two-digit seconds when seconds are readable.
2,33
